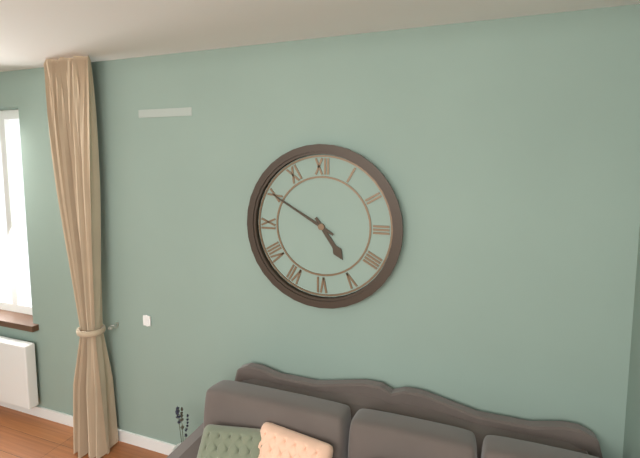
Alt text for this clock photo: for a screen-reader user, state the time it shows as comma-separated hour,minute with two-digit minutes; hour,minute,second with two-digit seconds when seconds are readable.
4,50
